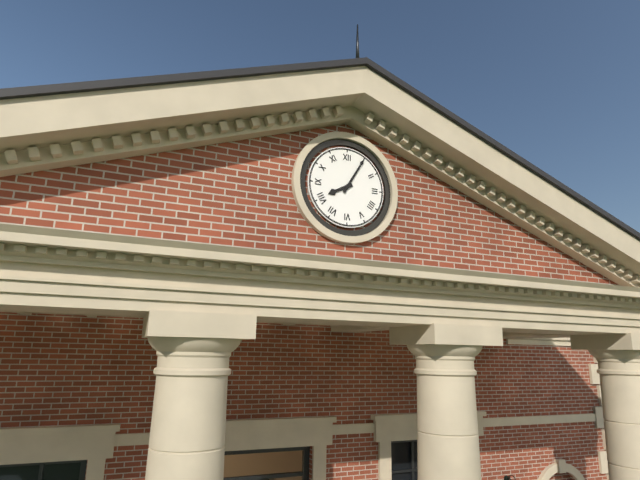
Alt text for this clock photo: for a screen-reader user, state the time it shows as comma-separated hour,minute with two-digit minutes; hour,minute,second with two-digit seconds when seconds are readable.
8,05
